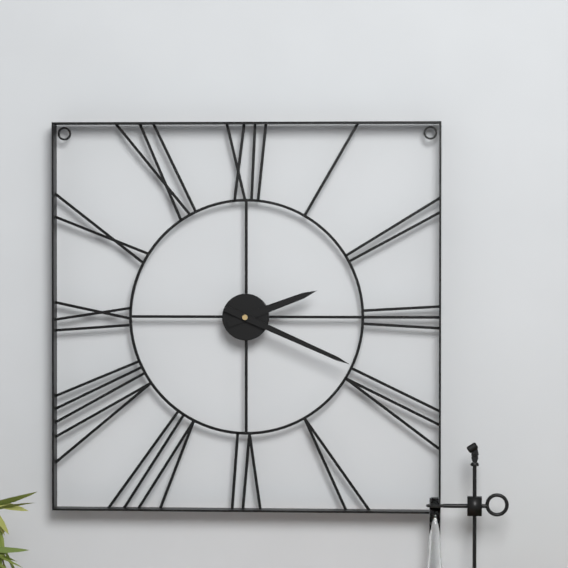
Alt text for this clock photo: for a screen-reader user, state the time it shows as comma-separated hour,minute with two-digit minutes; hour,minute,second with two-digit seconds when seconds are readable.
2,19
